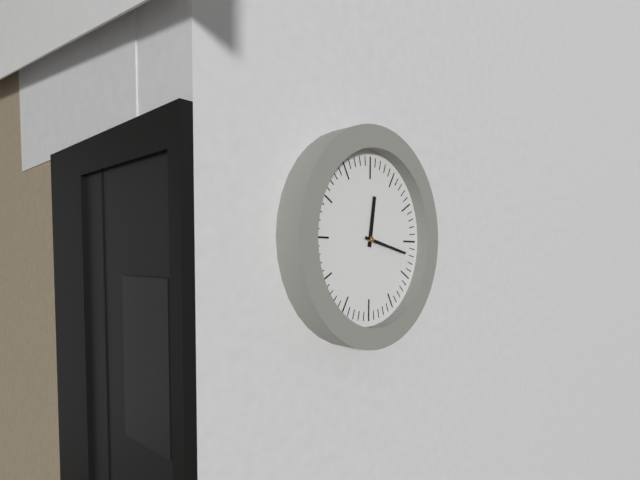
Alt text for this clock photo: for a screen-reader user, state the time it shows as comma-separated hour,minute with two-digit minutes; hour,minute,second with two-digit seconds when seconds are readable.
12,17
